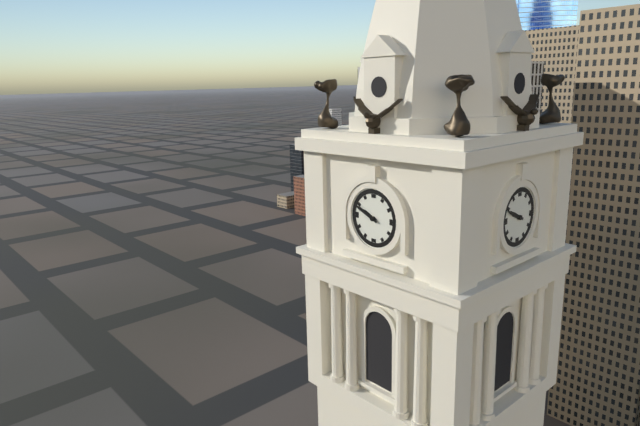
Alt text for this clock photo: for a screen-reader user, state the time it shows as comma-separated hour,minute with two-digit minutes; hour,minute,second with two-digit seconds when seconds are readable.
9,49
